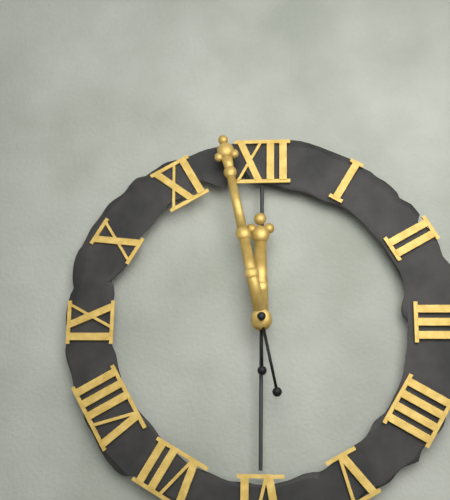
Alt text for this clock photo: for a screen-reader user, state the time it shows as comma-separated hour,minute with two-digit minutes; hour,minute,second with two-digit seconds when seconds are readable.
11,58
